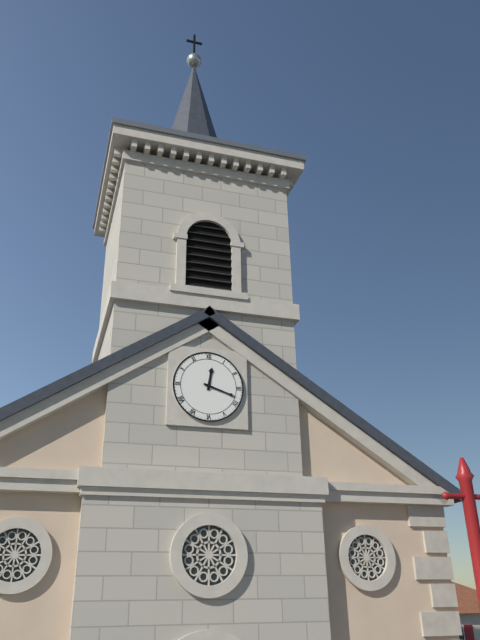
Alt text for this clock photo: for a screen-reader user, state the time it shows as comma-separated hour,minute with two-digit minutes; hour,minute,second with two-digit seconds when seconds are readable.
12,18
